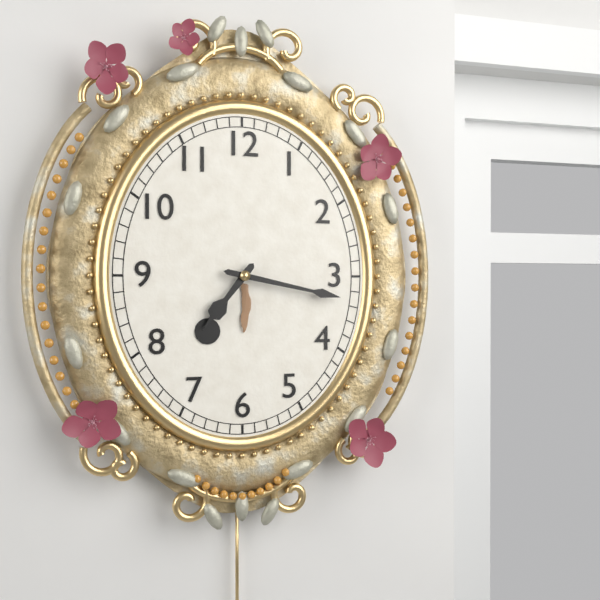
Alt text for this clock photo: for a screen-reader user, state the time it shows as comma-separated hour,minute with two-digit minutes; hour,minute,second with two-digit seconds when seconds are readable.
7,17
